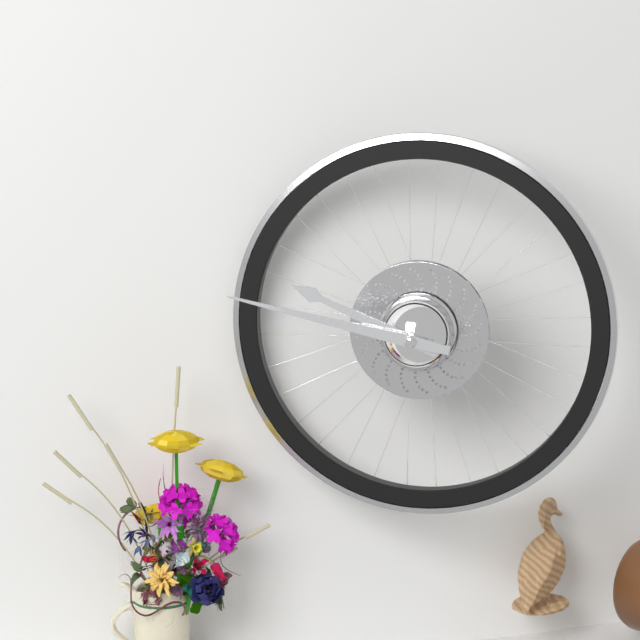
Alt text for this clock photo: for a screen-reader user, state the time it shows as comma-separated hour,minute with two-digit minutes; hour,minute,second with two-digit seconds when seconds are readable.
9,47
